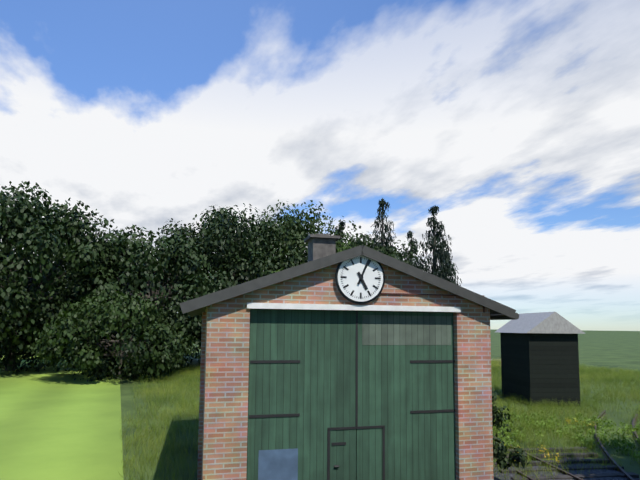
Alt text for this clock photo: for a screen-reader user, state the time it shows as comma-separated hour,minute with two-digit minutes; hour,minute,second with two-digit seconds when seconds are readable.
5,04
